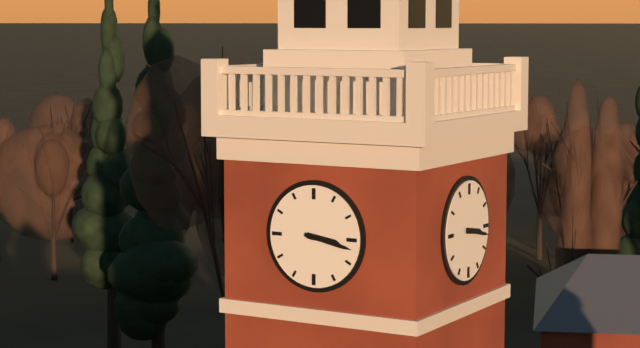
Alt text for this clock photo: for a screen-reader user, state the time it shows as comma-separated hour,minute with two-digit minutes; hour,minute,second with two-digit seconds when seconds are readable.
3,17
